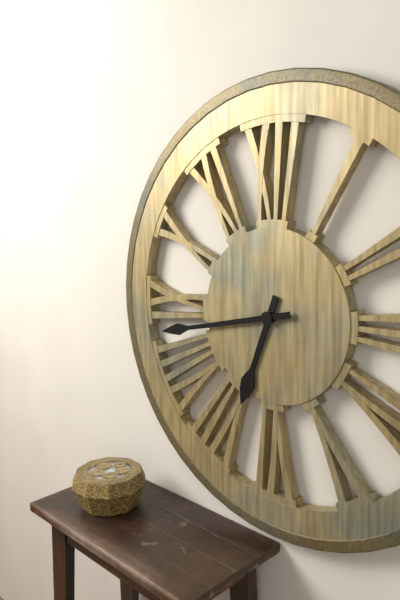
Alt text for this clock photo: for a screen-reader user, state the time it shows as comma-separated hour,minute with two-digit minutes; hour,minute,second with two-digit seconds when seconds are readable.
6,43
